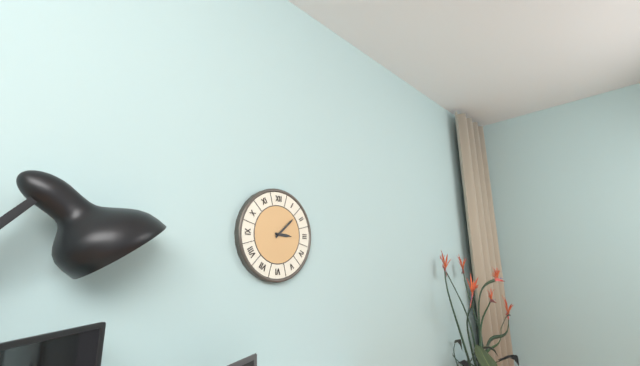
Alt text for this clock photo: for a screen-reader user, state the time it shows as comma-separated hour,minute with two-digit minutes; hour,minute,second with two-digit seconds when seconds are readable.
3,08
